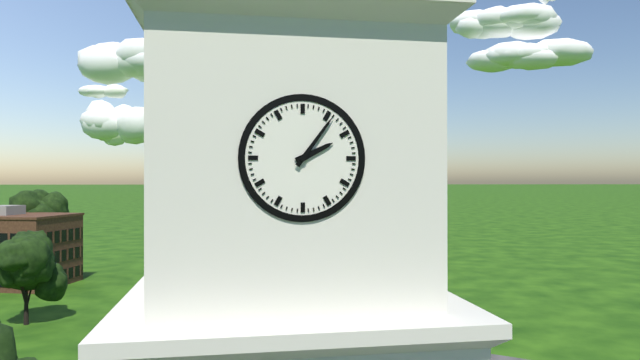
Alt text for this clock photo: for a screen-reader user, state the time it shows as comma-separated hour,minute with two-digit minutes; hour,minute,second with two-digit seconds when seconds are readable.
2,06
